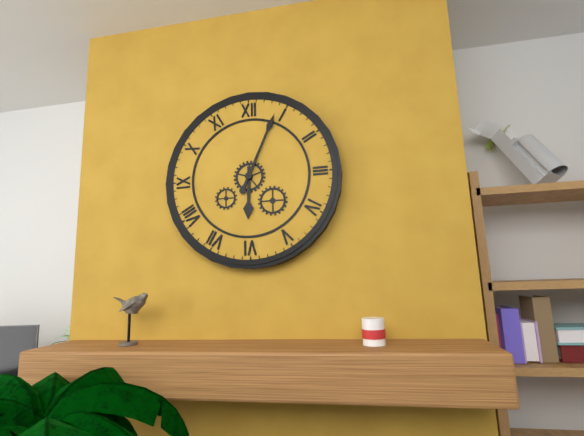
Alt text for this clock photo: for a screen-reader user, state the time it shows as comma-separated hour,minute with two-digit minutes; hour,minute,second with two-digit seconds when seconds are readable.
6,04
